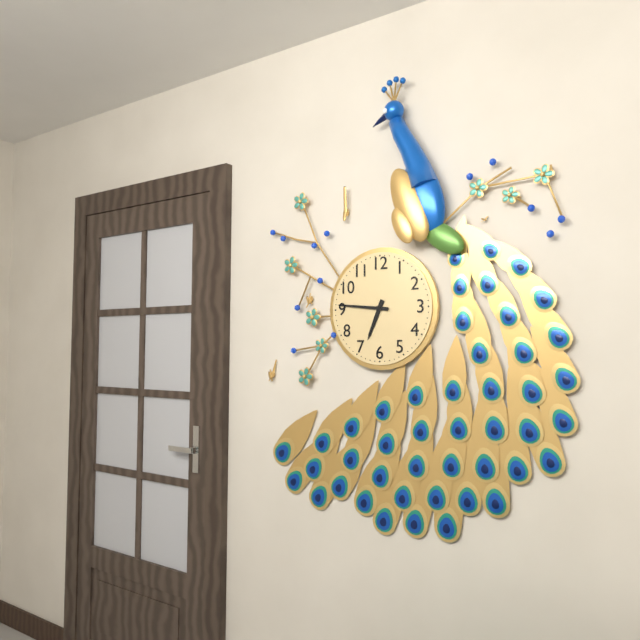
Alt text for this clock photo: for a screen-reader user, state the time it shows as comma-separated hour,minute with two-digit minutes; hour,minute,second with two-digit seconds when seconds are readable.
6,46
